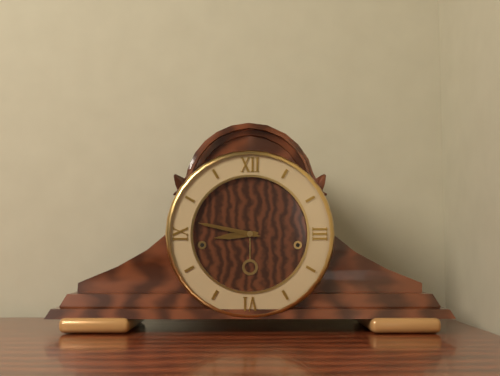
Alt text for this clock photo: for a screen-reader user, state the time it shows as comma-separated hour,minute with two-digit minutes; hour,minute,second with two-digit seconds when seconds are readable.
8,47
